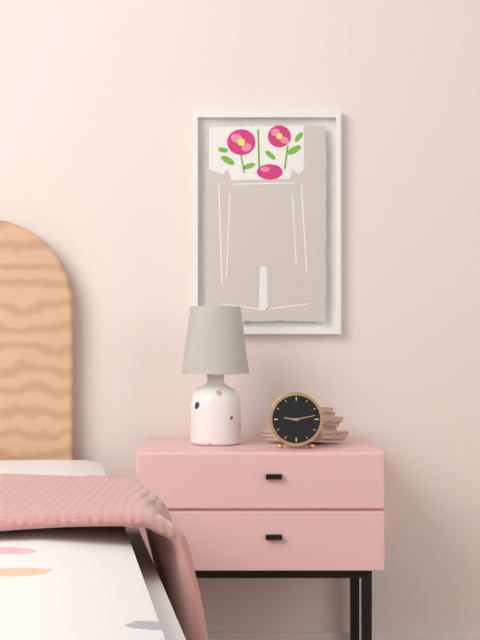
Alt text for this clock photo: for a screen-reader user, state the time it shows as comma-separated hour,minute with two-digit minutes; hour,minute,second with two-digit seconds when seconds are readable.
9,13
